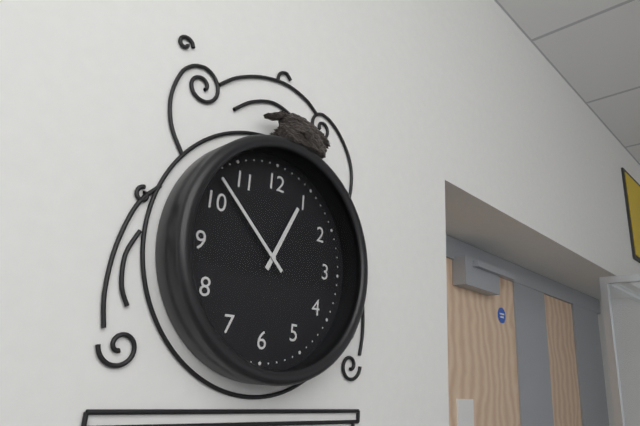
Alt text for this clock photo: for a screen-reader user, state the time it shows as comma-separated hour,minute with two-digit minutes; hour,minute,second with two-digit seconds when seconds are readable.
12,52
